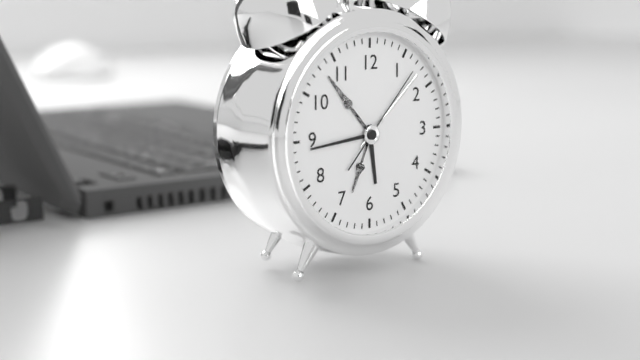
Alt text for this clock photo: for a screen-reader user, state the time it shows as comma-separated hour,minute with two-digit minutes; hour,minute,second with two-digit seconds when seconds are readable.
5,44,07
